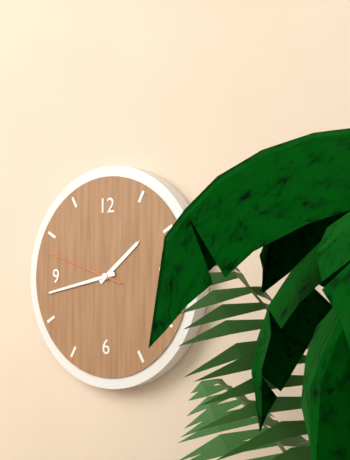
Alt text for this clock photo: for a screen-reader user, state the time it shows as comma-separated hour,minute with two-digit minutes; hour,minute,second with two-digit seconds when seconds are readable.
1,43,48
